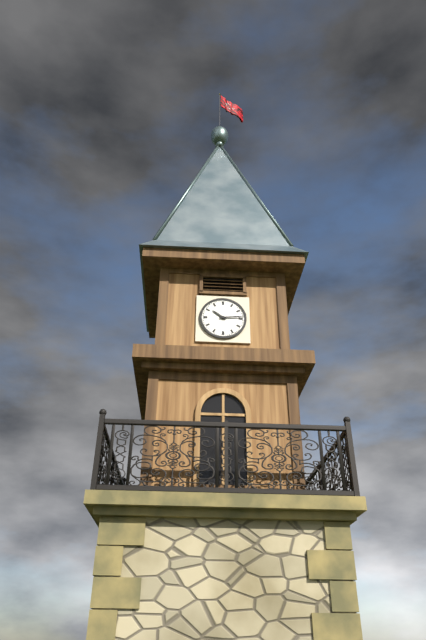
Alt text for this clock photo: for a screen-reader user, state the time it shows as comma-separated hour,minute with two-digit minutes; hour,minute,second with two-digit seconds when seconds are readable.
10,14
